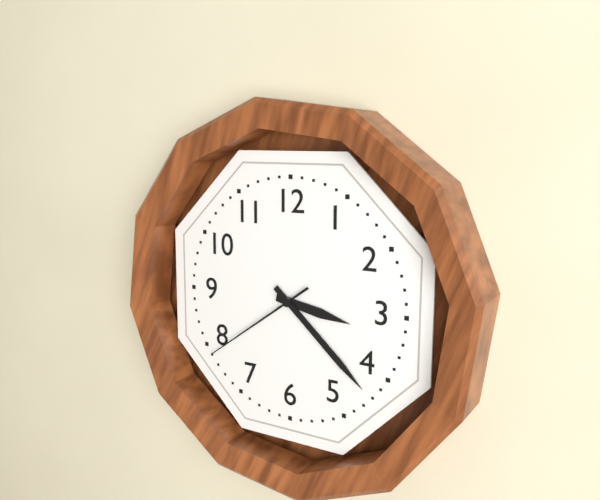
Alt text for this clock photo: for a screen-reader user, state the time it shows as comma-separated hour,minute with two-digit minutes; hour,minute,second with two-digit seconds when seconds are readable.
3,22,39
